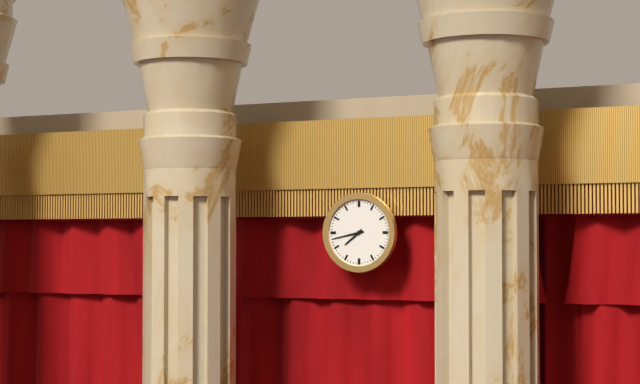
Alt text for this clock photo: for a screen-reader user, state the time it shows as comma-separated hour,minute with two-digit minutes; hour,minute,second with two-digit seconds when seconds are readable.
7,43
